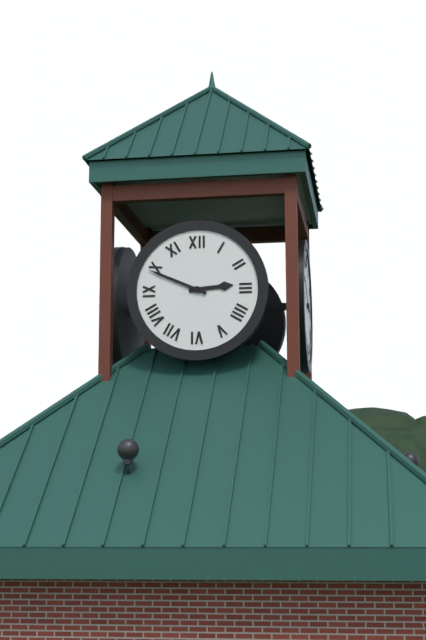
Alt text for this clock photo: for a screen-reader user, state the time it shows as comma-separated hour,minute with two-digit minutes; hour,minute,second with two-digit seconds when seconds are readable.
2,49
